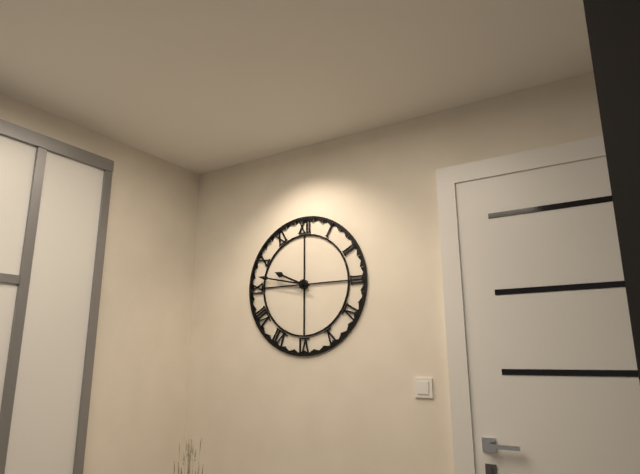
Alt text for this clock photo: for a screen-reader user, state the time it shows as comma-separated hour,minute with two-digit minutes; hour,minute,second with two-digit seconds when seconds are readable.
9,47
